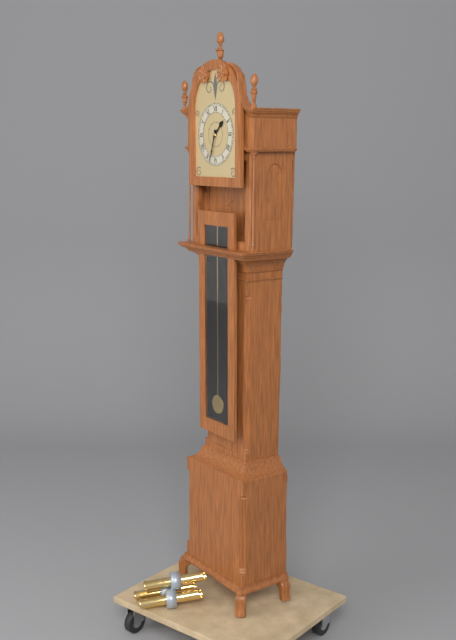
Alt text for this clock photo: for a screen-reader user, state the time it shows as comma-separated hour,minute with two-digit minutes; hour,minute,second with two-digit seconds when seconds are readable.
1,33
